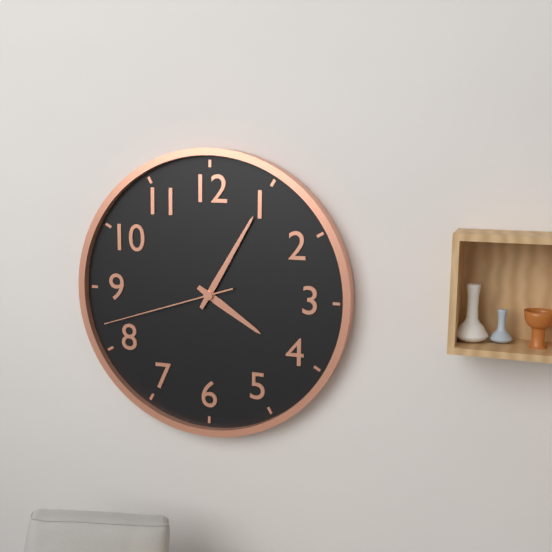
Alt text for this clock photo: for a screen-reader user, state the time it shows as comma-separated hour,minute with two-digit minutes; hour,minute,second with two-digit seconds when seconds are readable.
4,05,42
